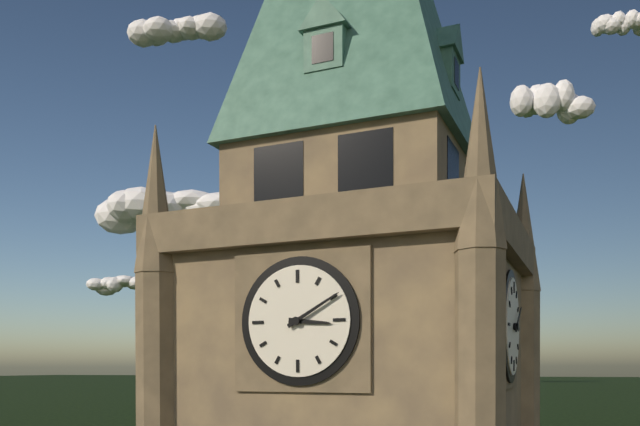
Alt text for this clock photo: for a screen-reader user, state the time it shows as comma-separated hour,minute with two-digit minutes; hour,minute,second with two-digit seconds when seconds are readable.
3,10
